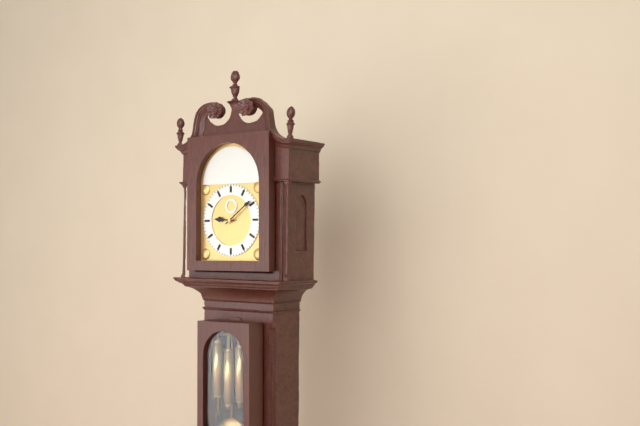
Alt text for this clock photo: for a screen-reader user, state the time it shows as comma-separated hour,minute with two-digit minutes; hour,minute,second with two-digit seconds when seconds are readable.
9,09
